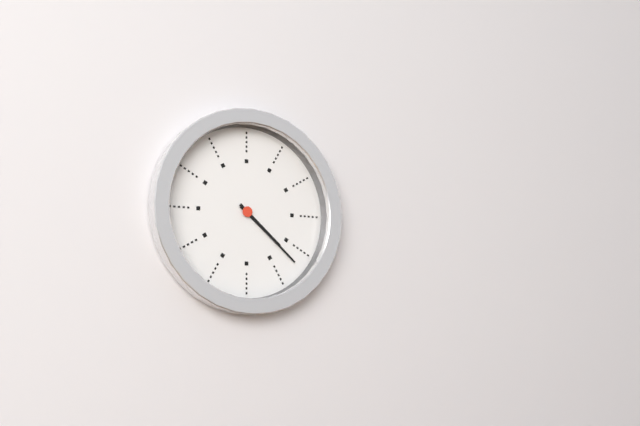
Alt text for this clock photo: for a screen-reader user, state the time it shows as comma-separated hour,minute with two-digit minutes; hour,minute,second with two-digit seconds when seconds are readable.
4,22
